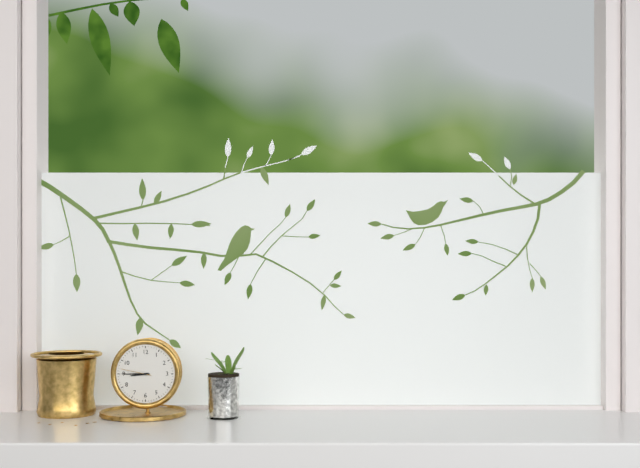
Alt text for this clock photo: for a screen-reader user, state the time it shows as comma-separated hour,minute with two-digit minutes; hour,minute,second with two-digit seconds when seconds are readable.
8,45
